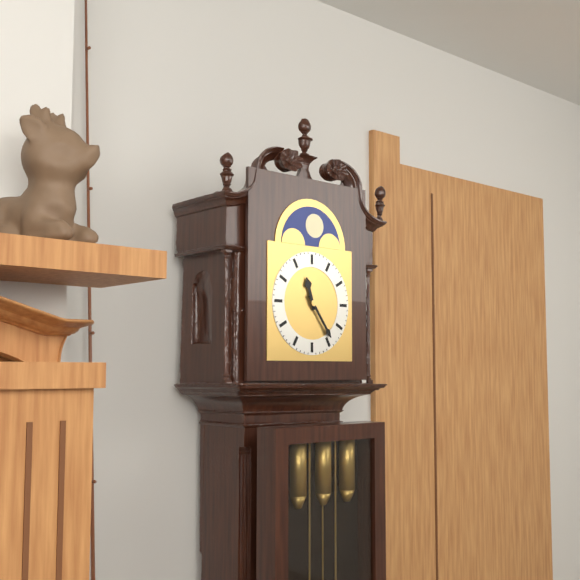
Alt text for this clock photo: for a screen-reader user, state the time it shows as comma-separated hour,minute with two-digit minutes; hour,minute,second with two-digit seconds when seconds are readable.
11,24
